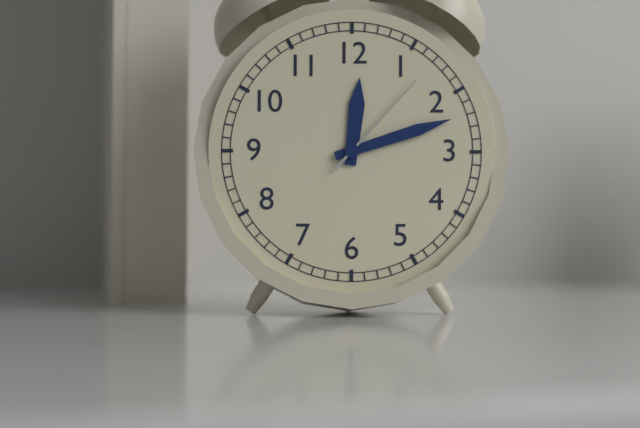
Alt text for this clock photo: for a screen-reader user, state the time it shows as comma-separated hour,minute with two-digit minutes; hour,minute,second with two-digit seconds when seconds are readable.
12,12,07
